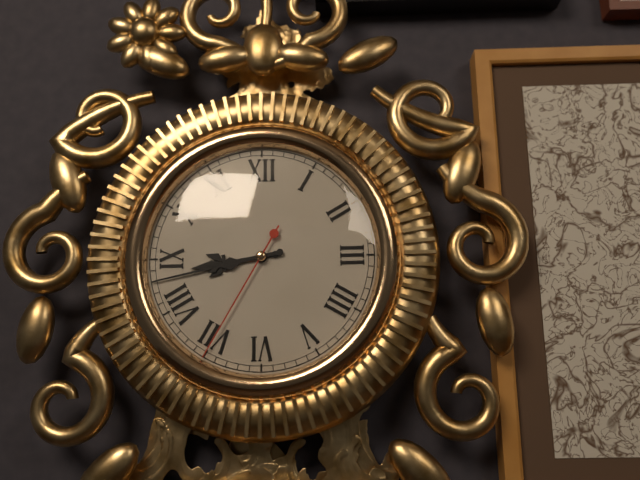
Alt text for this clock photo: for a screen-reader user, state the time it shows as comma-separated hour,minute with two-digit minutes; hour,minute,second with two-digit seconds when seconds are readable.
8,43,35
